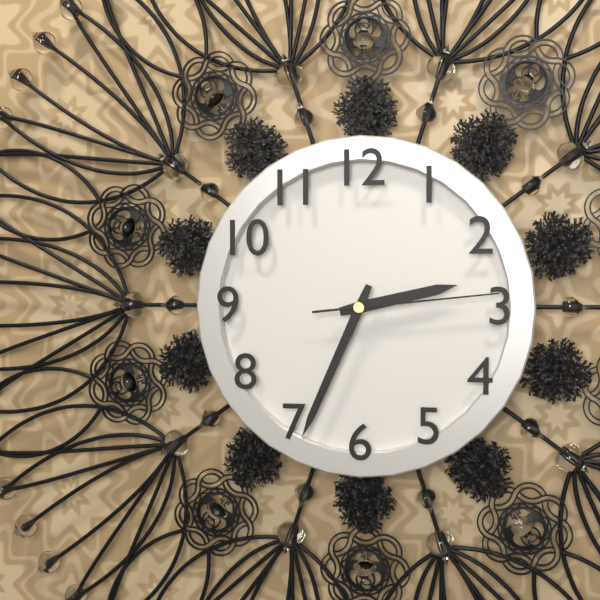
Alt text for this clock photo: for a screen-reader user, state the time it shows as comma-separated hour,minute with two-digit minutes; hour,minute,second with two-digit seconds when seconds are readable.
2,34,14
